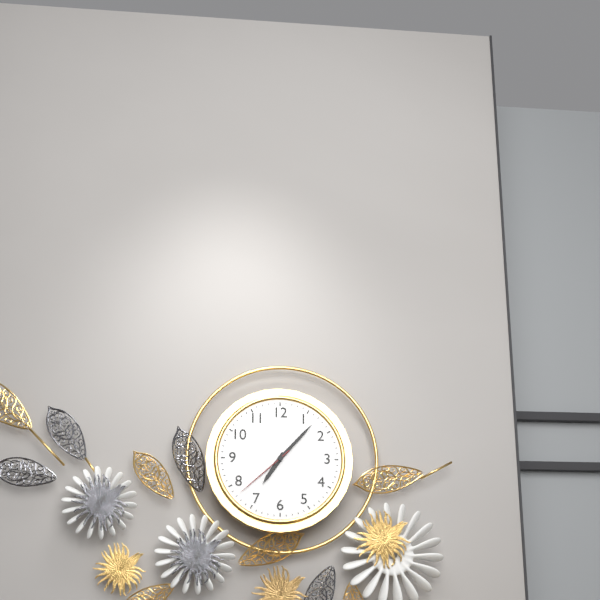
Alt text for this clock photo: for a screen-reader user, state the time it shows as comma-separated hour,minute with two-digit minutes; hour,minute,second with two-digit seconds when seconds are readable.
7,07,38
